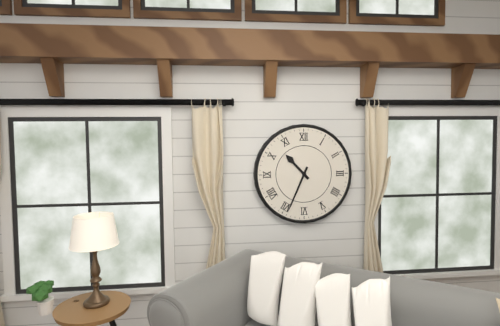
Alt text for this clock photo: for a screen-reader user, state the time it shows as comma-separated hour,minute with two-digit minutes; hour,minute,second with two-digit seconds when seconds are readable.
10,34
